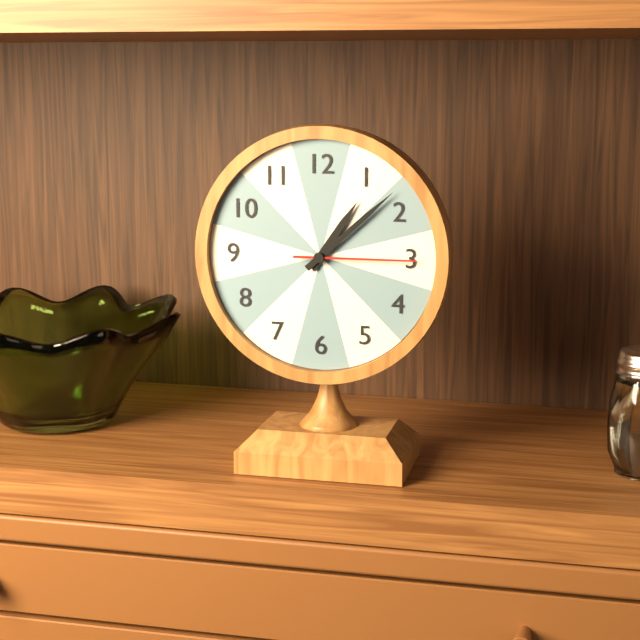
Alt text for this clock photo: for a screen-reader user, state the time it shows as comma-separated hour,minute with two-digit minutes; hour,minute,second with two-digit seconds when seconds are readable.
1,08,15
